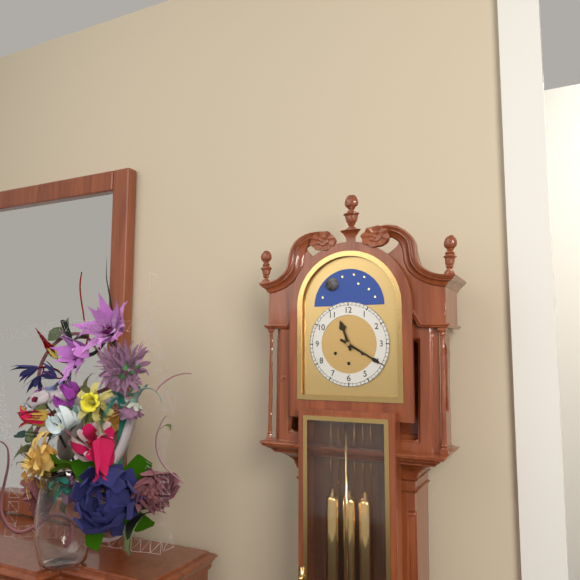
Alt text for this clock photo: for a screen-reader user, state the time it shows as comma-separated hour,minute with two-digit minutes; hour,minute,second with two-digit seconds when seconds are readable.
11,20
